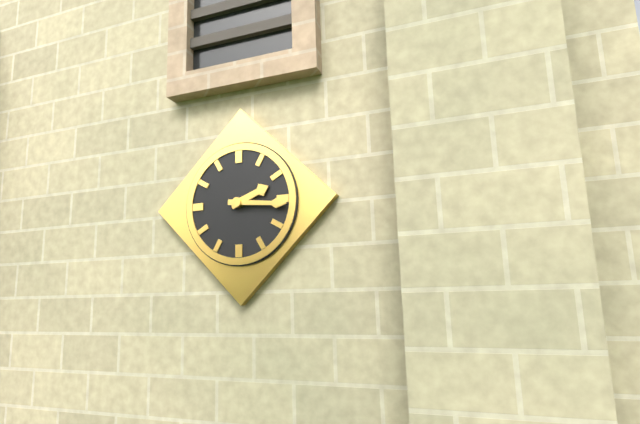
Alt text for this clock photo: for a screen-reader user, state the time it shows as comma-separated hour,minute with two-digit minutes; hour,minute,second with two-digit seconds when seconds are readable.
2,16
